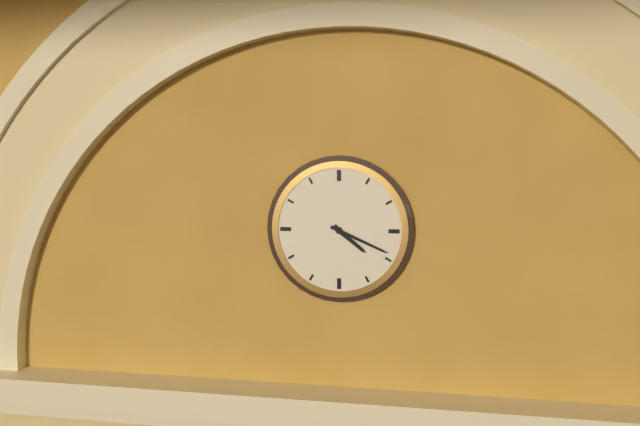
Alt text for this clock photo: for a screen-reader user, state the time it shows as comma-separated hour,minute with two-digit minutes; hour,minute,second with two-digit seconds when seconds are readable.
4,19
